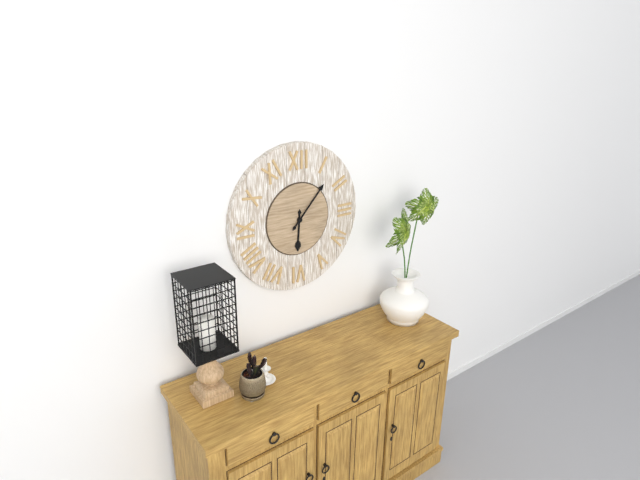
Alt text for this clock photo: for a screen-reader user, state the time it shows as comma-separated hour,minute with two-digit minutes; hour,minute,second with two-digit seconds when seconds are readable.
6,07
